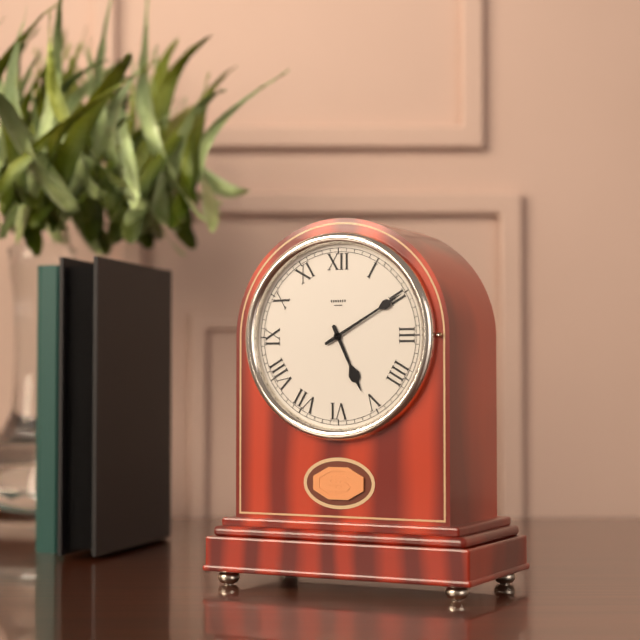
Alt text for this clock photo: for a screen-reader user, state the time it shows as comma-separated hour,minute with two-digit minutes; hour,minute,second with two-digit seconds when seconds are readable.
5,10
